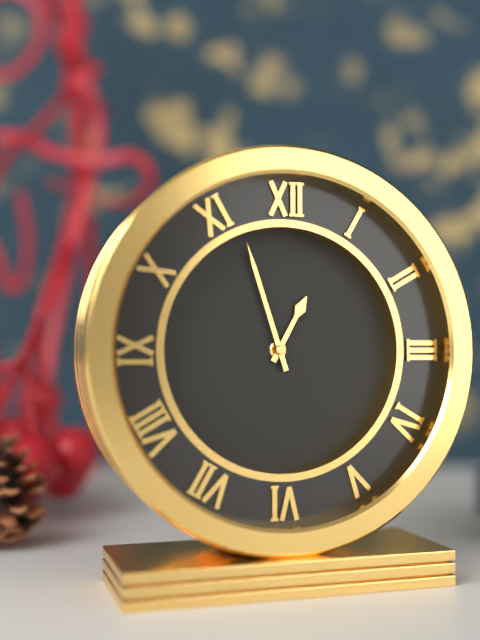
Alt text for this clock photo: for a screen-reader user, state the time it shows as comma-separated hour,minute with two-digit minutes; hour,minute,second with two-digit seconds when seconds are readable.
12,57
